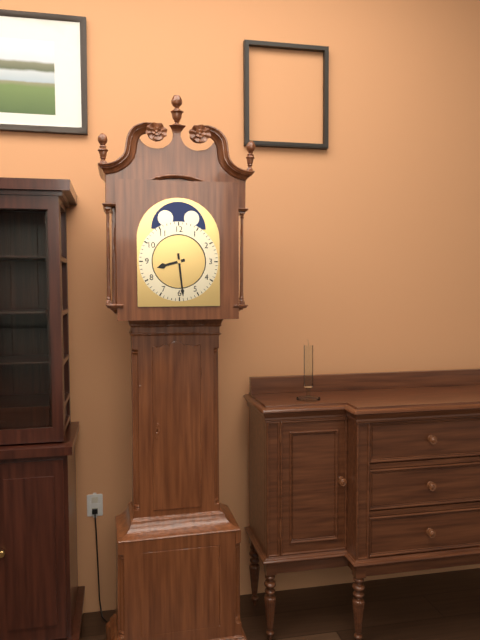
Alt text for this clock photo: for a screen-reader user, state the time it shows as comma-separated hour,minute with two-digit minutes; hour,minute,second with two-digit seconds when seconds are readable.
8,29
